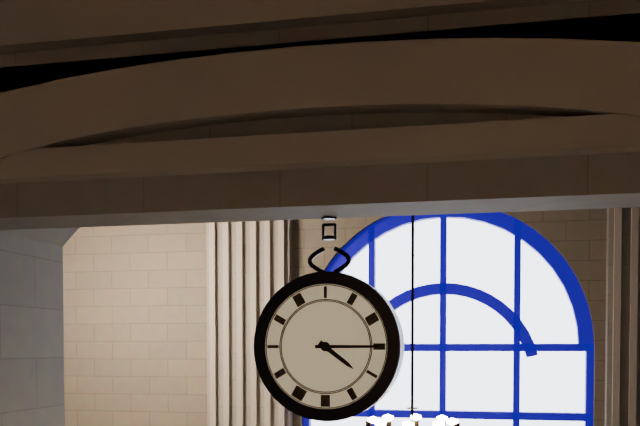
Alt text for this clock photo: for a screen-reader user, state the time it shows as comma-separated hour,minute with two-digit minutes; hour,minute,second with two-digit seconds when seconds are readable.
4,15
